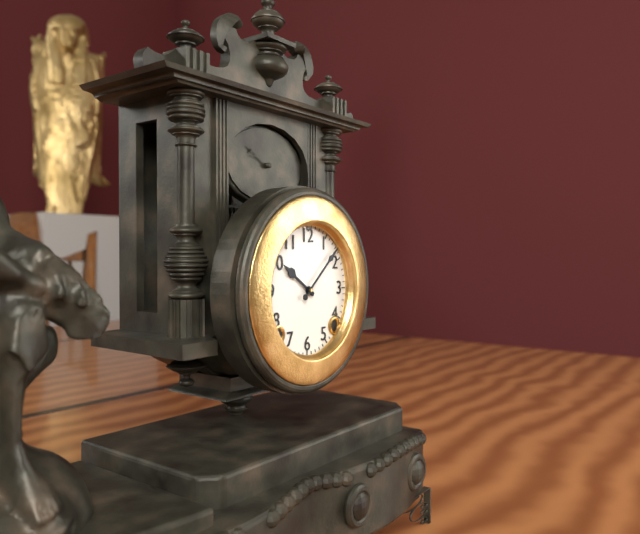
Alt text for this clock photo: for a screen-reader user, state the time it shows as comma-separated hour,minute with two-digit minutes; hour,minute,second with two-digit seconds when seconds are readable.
10,08
